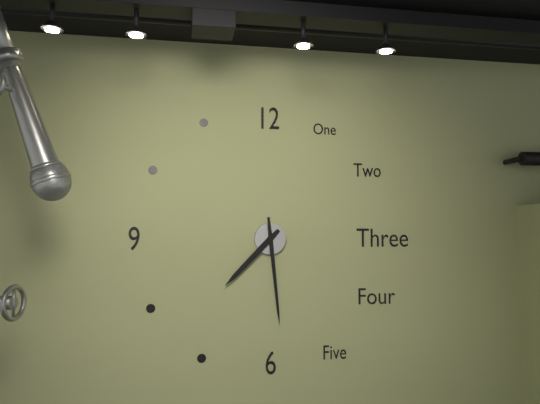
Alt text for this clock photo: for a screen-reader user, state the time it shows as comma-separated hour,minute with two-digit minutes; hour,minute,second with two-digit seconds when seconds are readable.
7,29
